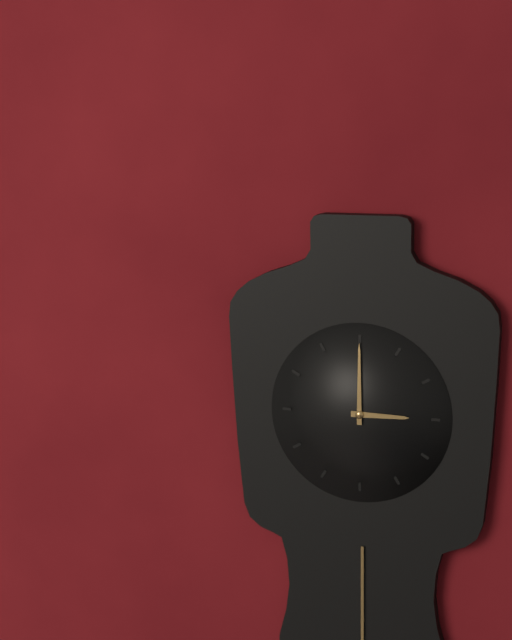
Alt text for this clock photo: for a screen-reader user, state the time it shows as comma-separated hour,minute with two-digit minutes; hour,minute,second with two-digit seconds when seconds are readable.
3,00
